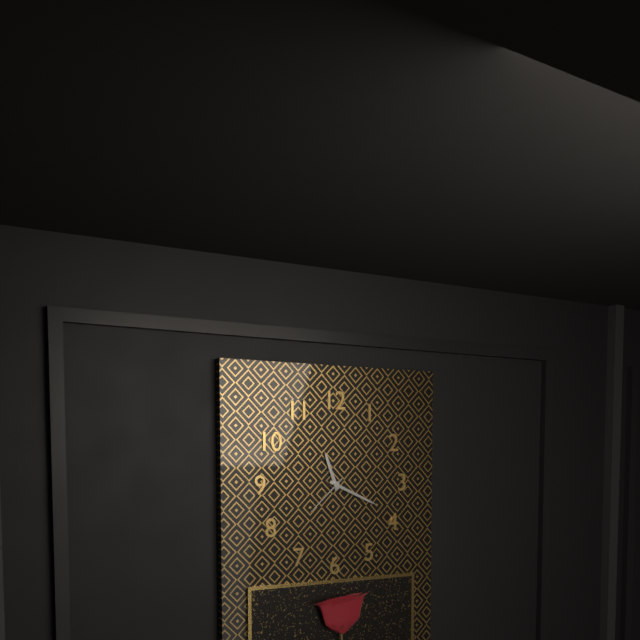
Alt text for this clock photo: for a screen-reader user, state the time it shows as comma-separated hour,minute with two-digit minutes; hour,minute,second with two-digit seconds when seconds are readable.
11,19
